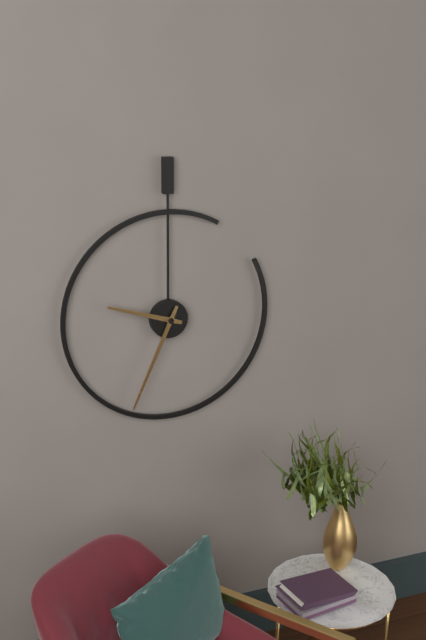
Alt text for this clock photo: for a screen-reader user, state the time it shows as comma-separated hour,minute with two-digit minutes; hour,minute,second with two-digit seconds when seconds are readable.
9,34
